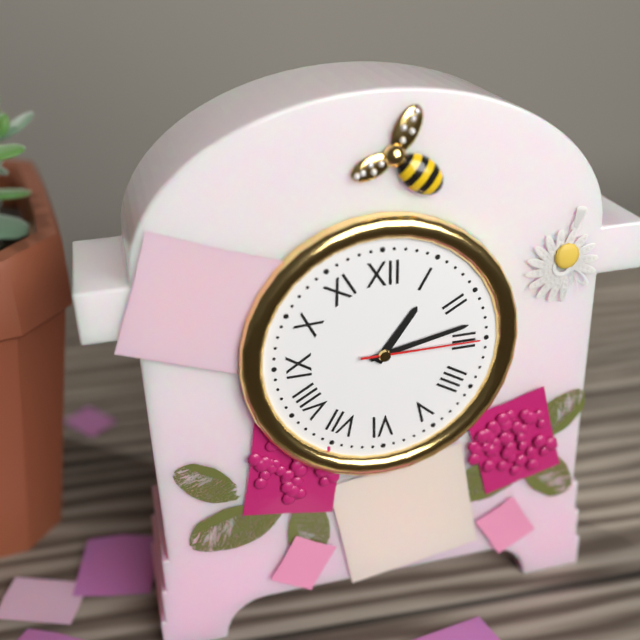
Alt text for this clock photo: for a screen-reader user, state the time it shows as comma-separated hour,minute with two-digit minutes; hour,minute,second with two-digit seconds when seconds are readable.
1,13,15
